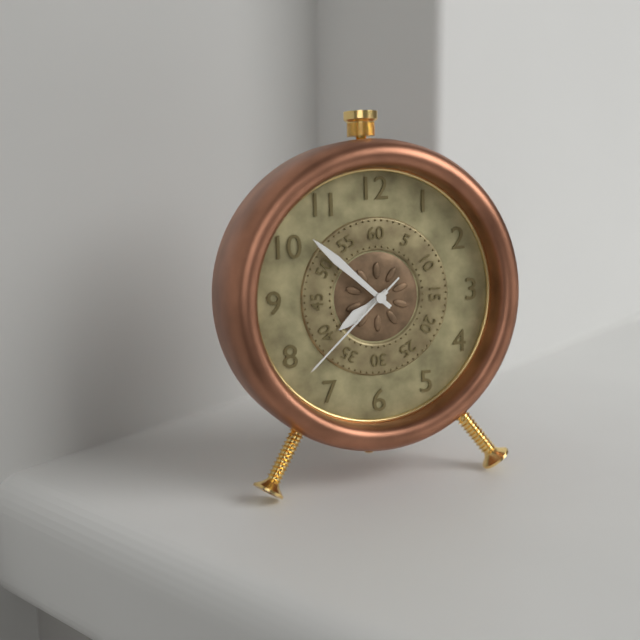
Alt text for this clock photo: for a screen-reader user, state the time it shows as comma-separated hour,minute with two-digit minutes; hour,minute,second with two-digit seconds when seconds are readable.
7,52,38
